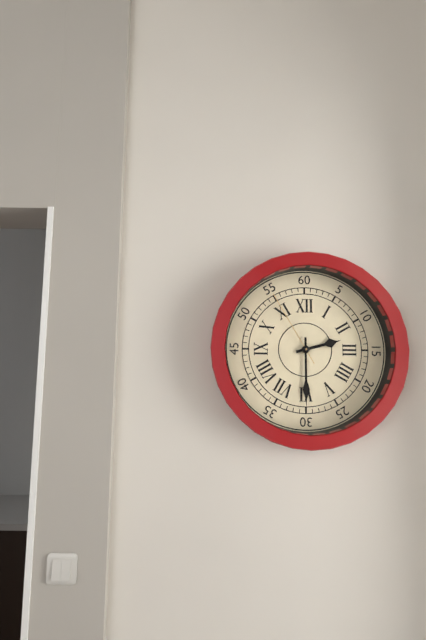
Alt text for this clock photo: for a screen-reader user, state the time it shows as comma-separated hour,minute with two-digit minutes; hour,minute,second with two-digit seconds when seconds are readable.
2,30,55
